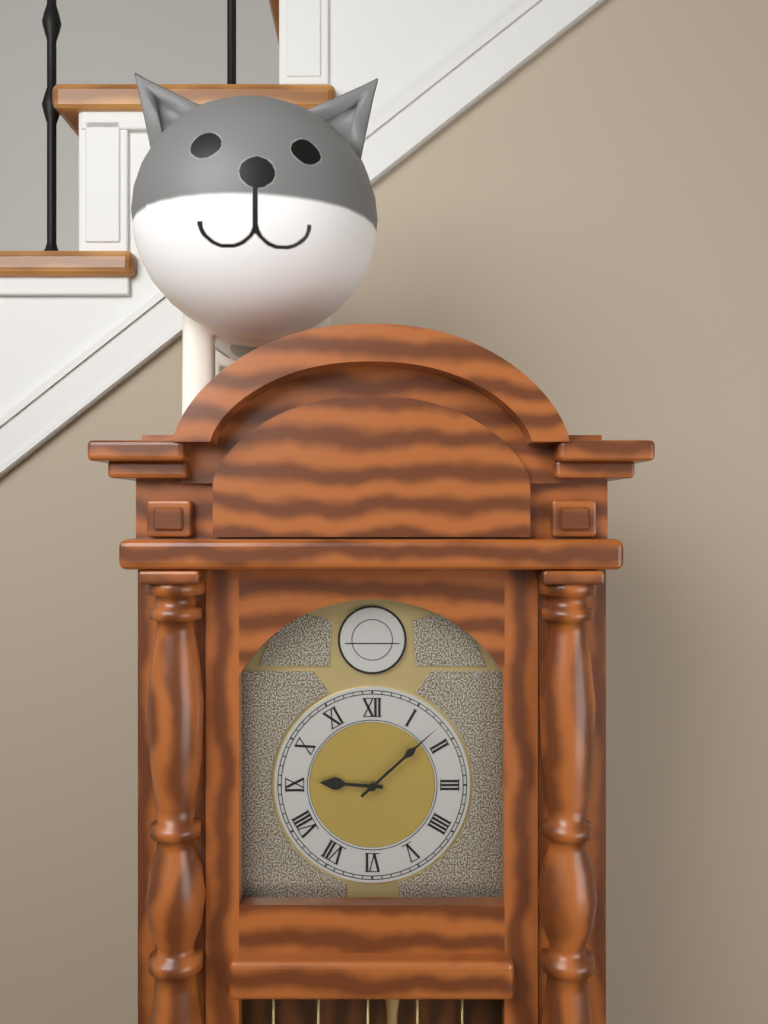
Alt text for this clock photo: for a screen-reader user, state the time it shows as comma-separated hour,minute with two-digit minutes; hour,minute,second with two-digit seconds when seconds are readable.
9,08
